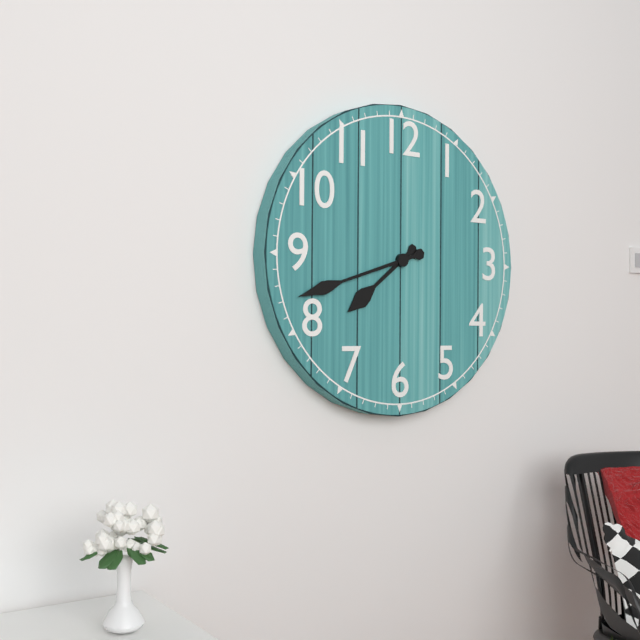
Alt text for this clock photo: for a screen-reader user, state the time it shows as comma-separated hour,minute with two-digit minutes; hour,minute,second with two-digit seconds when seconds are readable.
7,42
